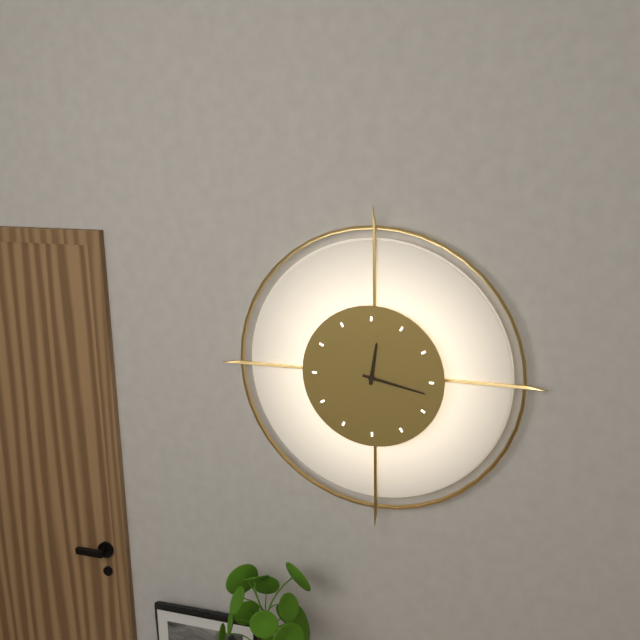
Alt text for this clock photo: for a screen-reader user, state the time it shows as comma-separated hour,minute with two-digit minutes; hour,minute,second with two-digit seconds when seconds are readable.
12,17
